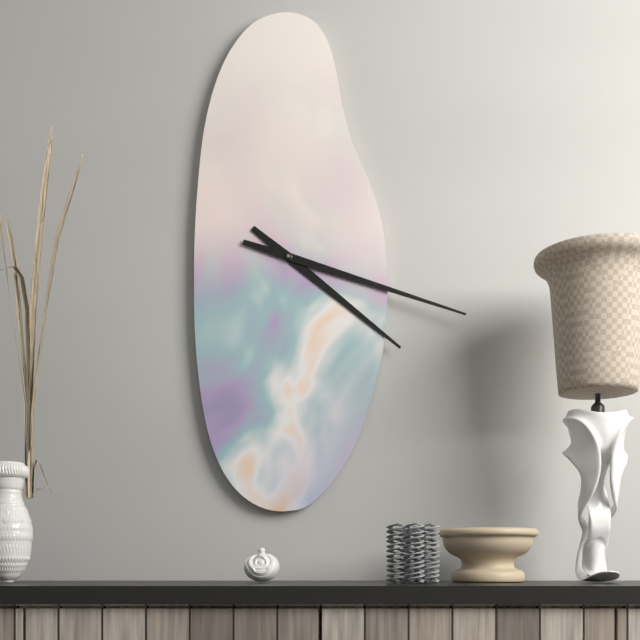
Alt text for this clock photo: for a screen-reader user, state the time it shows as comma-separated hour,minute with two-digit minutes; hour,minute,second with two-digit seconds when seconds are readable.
4,18
